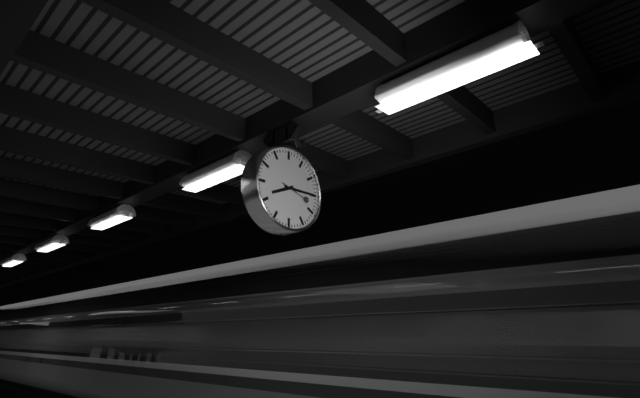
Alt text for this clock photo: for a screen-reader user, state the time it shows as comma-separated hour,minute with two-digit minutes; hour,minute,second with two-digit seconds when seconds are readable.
8,15
